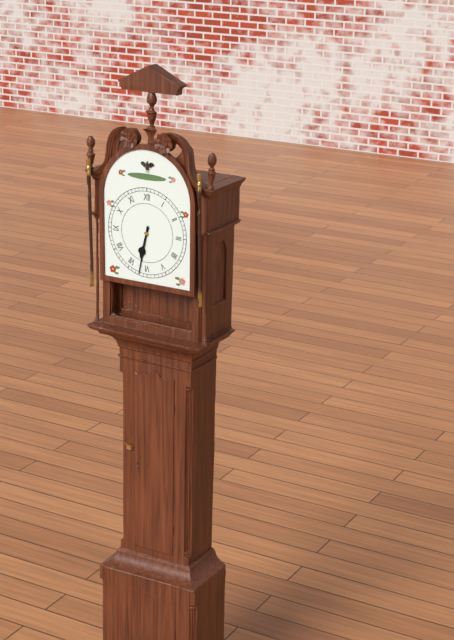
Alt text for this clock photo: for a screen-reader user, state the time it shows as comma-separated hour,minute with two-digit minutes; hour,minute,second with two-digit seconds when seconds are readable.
6,32
